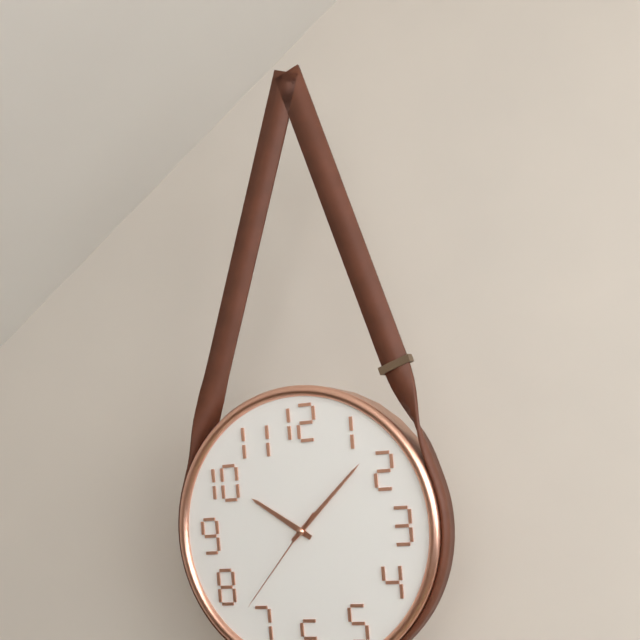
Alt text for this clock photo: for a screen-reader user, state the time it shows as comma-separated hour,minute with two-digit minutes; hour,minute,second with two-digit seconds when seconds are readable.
10,08,37
